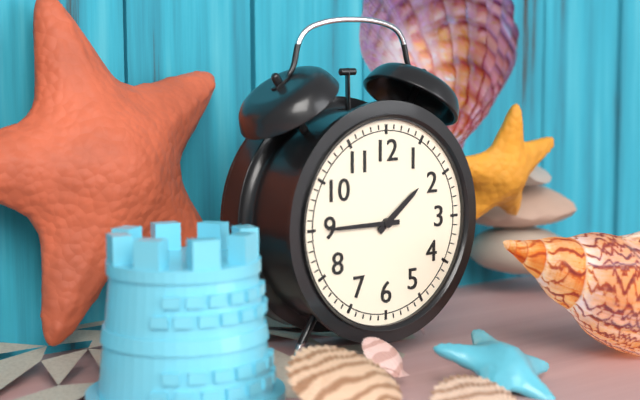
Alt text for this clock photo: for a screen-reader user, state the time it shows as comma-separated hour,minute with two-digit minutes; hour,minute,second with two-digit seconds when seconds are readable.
1,45
